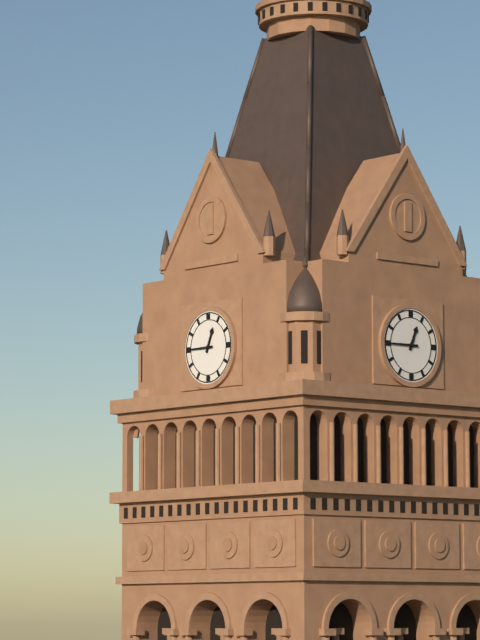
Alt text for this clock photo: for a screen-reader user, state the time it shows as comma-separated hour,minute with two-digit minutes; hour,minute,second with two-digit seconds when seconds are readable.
12,45
